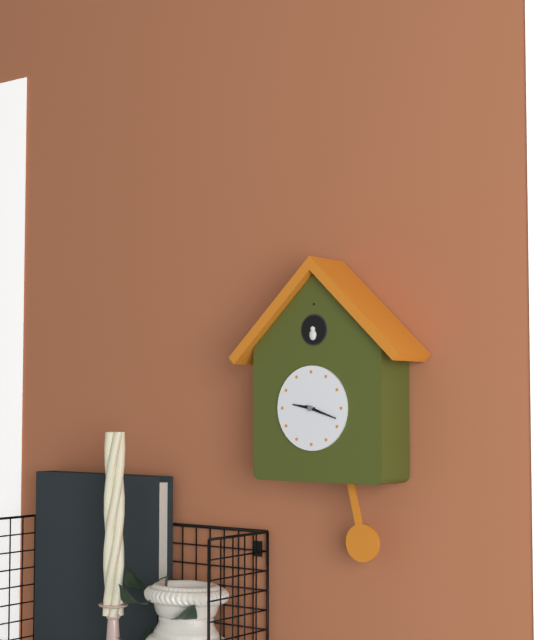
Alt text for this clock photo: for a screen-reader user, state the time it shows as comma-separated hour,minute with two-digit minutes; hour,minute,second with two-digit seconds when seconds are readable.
9,18
